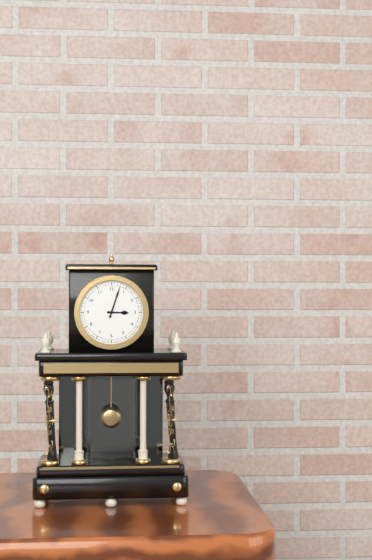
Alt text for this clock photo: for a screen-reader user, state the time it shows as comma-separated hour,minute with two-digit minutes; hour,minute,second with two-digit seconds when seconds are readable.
3,03
